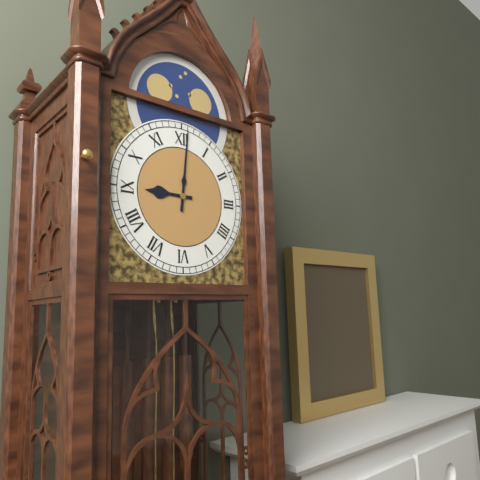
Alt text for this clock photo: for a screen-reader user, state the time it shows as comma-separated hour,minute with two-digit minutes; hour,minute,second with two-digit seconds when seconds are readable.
9,01
